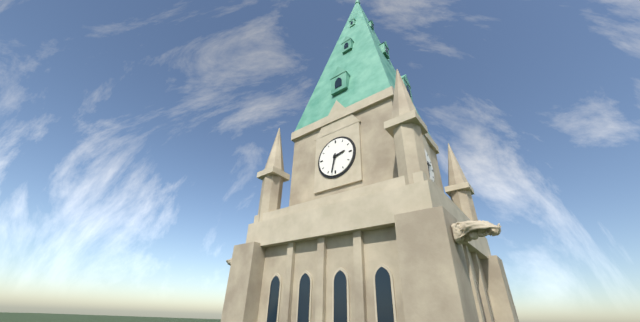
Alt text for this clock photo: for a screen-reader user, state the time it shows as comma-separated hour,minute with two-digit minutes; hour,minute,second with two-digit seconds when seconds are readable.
2,32
